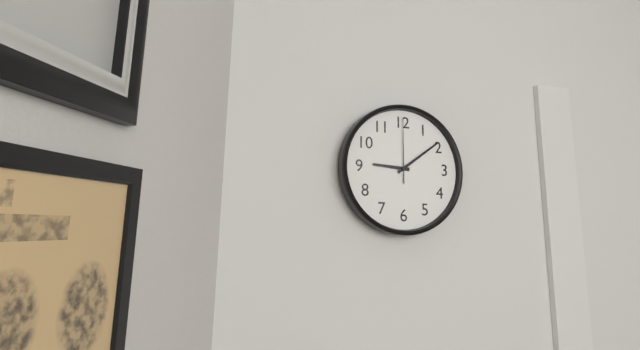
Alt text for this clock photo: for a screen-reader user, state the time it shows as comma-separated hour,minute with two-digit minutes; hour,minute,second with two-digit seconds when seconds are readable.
9,09,00
